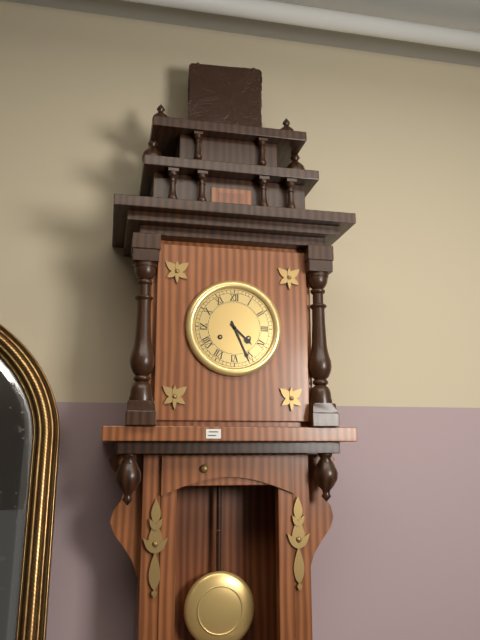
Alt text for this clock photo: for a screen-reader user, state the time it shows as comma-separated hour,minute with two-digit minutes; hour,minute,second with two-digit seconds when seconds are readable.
4,26
